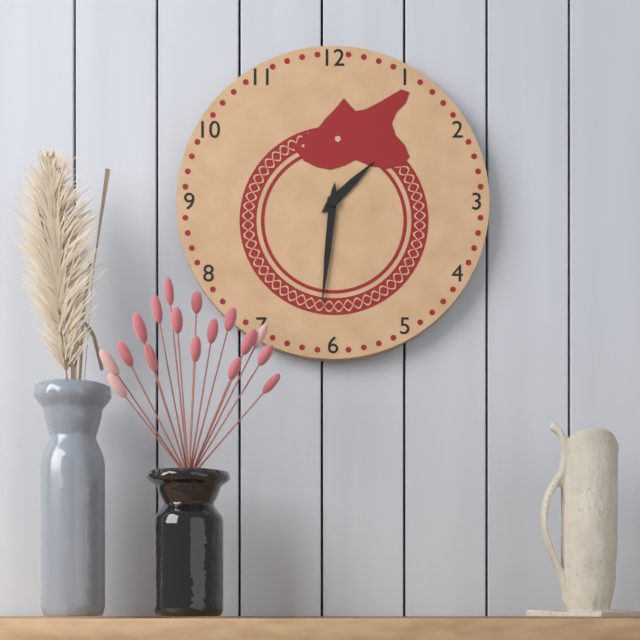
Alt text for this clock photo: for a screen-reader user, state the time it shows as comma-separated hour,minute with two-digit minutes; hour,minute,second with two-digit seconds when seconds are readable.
1,31
